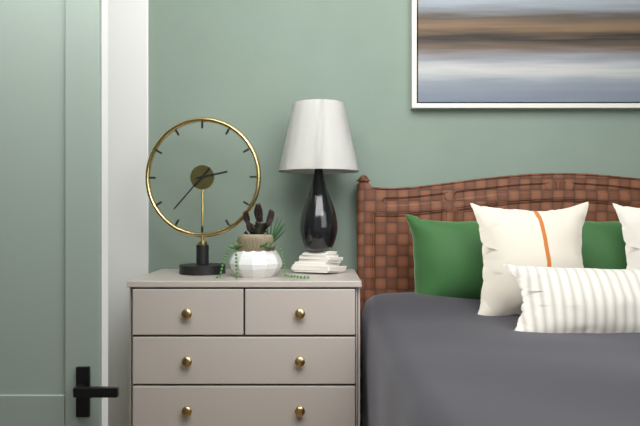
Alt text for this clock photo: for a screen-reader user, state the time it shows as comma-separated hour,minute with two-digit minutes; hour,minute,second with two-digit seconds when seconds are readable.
2,37
